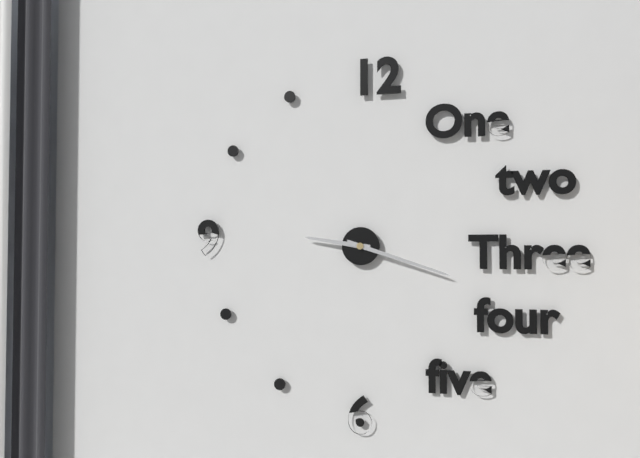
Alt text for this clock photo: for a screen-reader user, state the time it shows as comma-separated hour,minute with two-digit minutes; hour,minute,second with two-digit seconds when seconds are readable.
9,18
